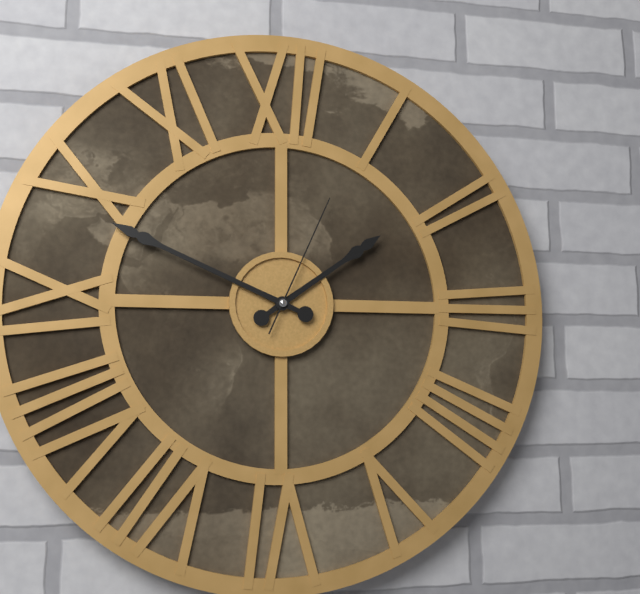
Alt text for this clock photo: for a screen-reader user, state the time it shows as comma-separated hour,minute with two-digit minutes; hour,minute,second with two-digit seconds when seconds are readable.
1,49,04
